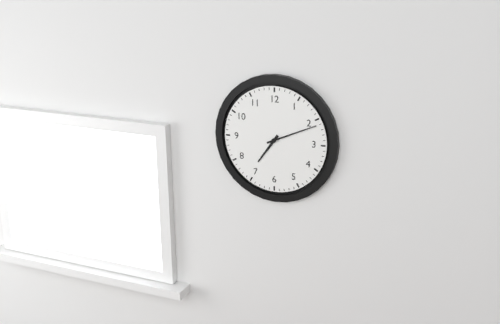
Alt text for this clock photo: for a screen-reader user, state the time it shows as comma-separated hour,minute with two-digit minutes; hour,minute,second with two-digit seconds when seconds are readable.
7,11
